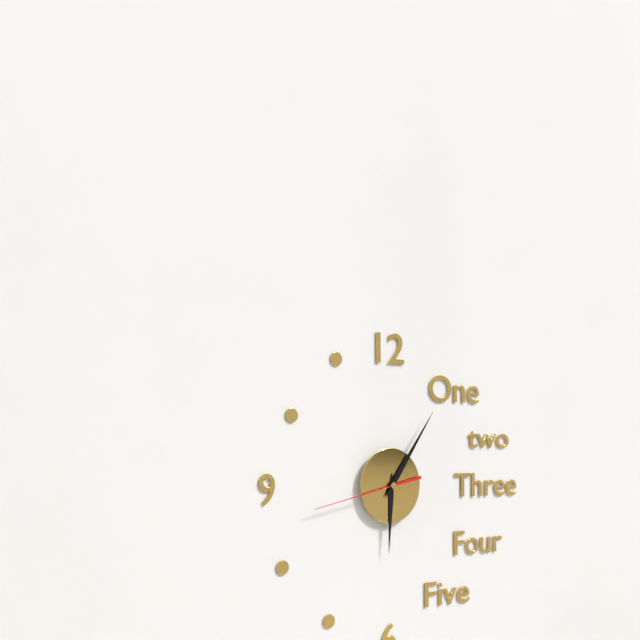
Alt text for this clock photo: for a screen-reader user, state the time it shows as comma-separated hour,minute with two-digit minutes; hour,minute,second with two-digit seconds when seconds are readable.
6,06,43
